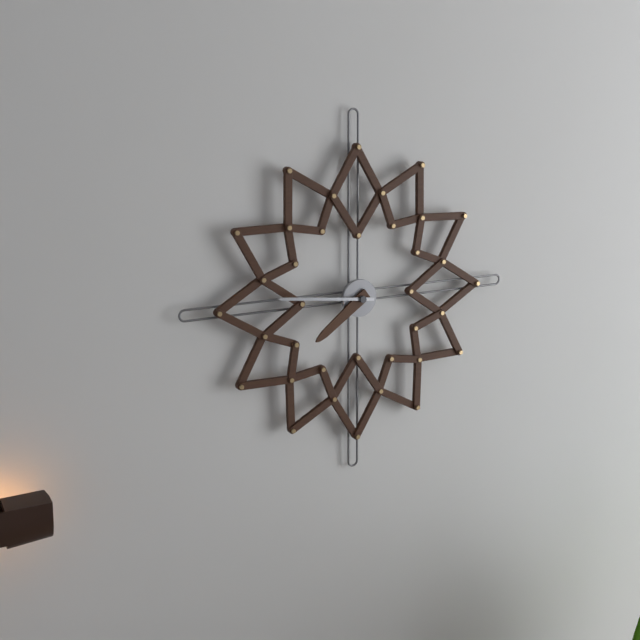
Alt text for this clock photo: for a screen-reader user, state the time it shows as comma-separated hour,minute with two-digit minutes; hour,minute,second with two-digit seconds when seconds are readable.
7,46
